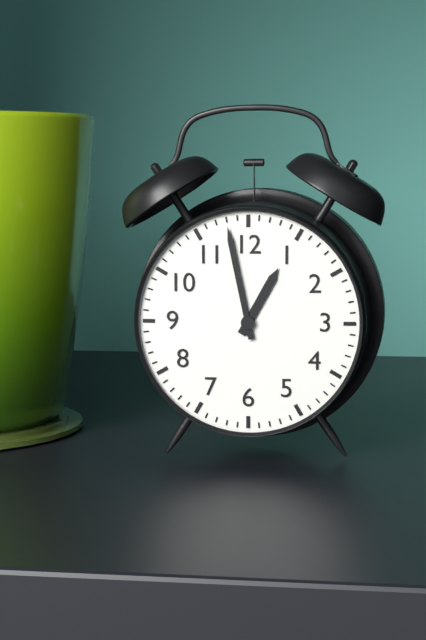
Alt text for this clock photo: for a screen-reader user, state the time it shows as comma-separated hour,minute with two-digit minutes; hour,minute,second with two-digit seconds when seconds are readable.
12,58
